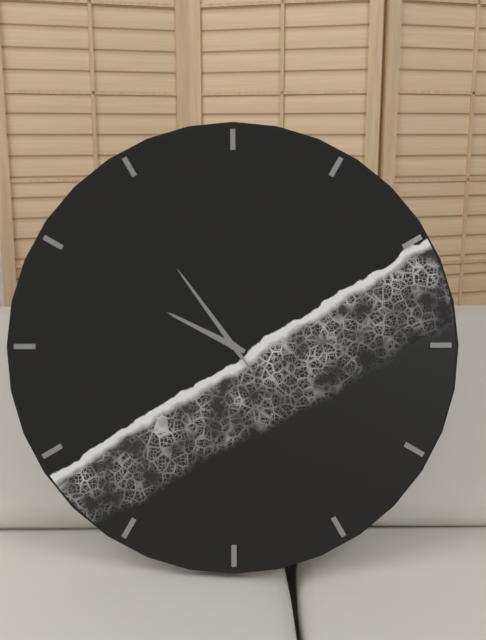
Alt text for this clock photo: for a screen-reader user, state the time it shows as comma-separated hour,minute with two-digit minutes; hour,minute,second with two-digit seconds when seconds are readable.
9,54,54
